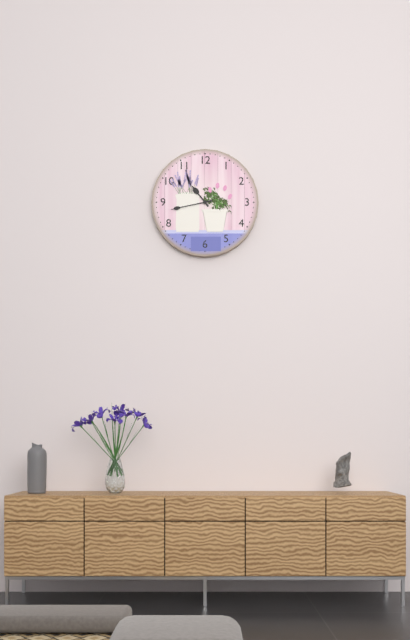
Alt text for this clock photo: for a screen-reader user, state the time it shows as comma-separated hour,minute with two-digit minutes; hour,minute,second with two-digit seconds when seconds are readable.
10,43
